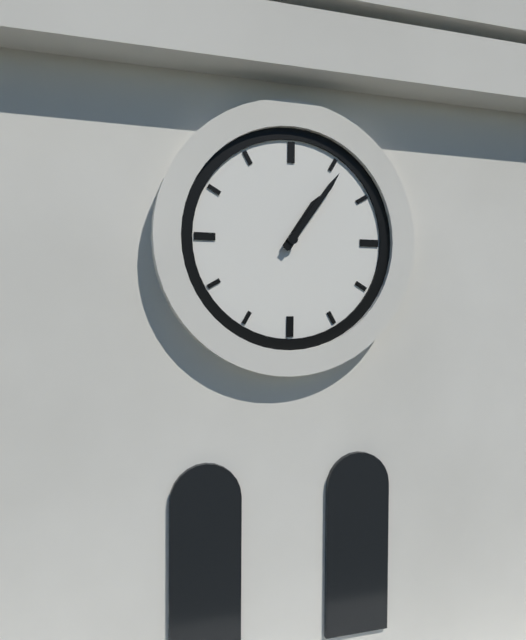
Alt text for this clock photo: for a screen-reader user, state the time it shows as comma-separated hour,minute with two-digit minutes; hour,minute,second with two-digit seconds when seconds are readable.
1,06
